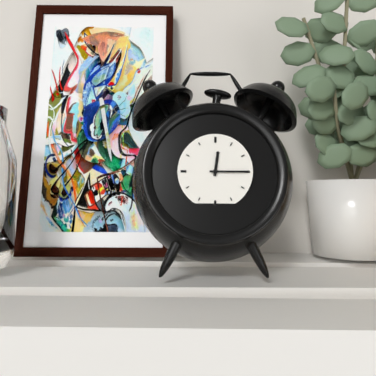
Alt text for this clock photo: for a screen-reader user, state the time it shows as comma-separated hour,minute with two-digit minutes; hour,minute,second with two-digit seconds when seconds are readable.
12,15
